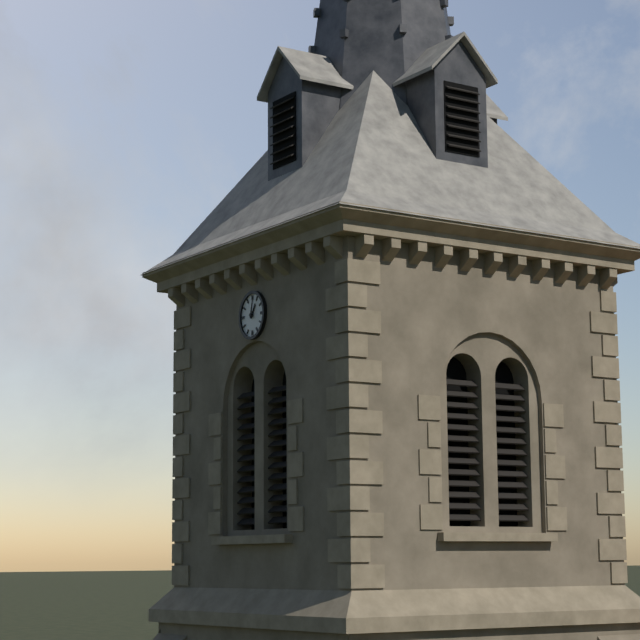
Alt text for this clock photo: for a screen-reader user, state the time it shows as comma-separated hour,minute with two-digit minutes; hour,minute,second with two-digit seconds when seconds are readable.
1,02
